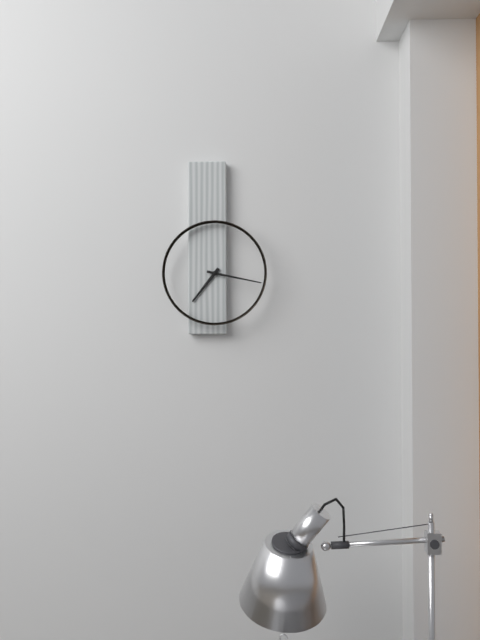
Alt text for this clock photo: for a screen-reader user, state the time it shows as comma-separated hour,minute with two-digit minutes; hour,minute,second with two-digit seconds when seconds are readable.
7,17
